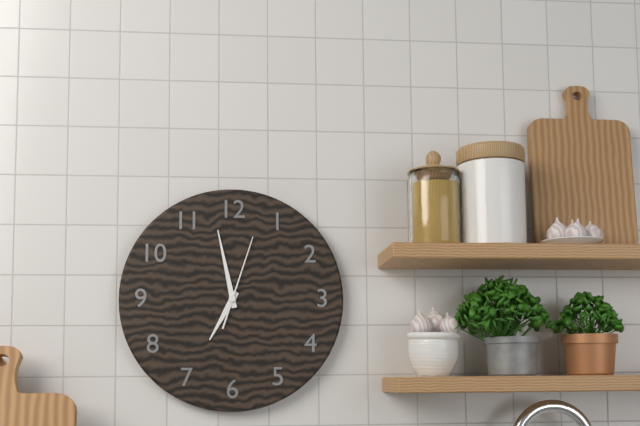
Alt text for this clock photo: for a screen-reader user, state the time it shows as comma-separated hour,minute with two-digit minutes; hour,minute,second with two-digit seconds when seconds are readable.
6,58,03
